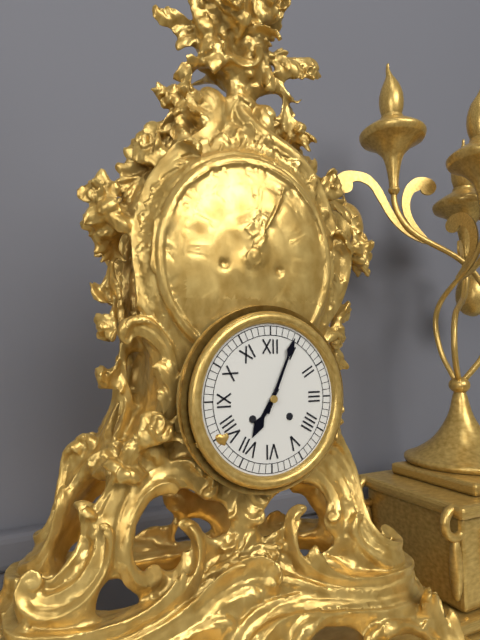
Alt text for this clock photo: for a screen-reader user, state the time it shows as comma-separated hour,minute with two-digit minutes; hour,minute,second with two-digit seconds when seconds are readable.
7,04
